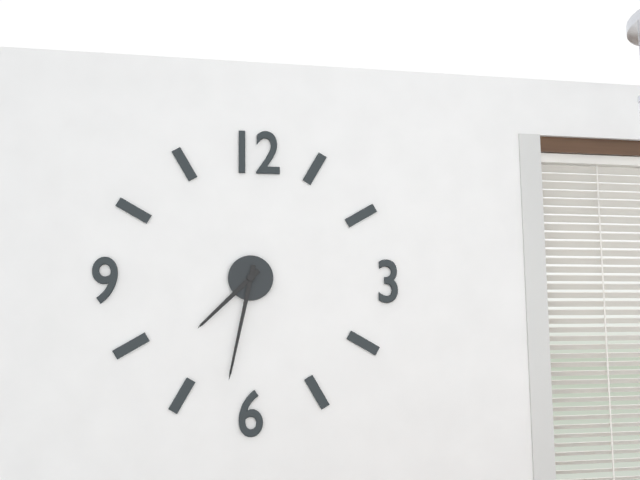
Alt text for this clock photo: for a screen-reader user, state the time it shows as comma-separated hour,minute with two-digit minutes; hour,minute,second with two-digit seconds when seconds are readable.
7,32
